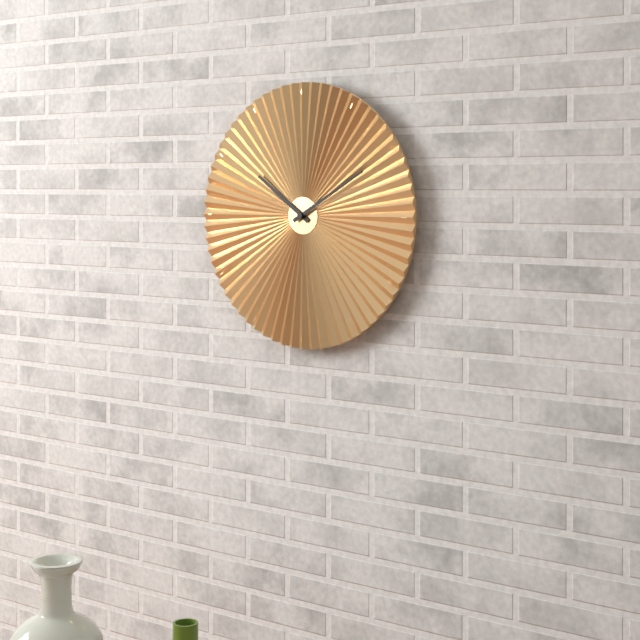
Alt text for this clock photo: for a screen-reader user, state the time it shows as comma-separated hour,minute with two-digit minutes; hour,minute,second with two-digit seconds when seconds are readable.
10,10
